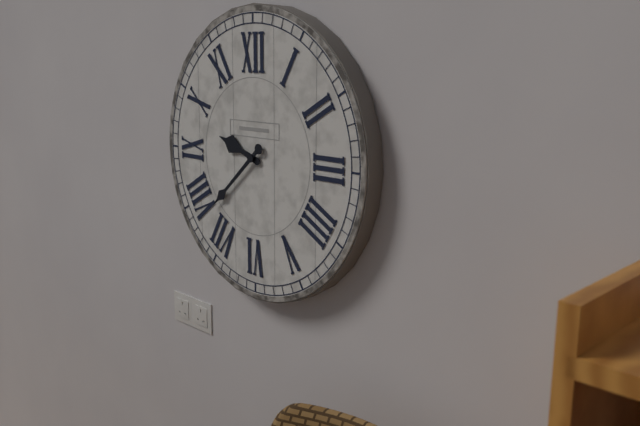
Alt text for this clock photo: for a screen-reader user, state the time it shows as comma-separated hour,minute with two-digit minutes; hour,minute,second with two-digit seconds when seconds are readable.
9,38
